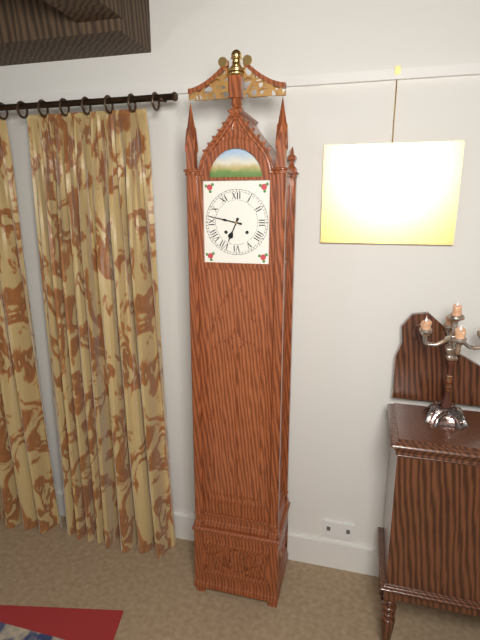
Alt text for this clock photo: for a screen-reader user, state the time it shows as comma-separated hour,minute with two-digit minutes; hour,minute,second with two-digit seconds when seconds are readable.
6,47
